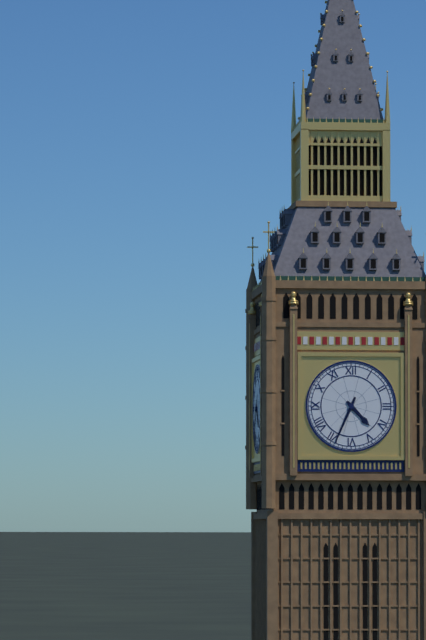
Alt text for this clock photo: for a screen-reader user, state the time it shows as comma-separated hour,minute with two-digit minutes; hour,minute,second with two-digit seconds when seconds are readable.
4,34
